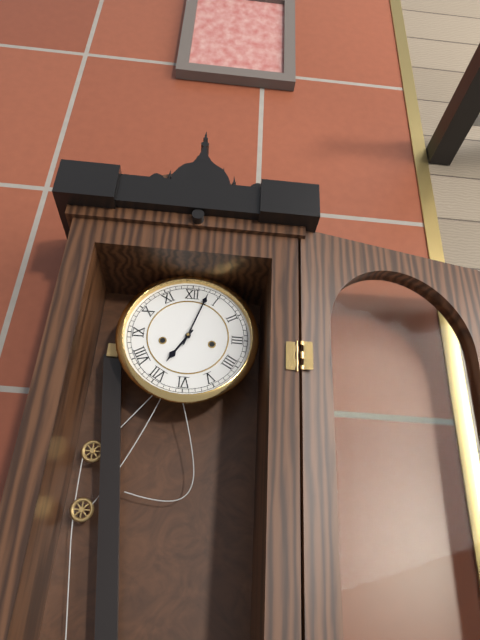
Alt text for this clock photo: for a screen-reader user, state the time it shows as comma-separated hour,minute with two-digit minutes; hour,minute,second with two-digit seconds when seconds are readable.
7,03
